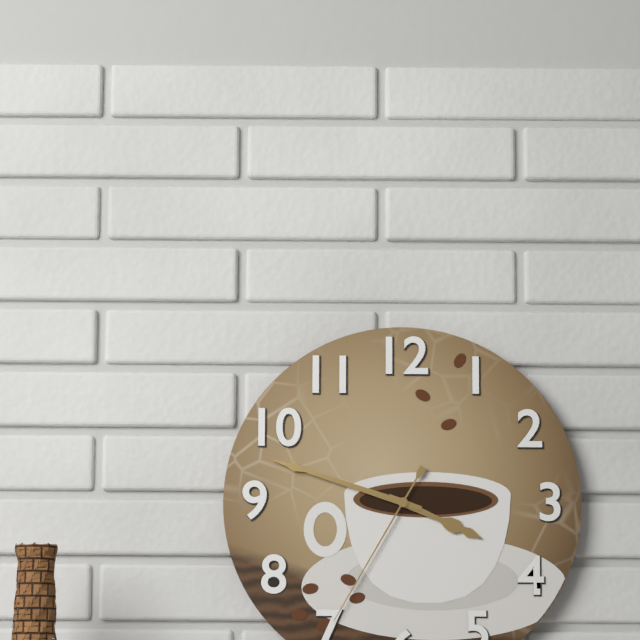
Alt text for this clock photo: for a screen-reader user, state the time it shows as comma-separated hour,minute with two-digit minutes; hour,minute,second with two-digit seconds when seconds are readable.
3,48,35
